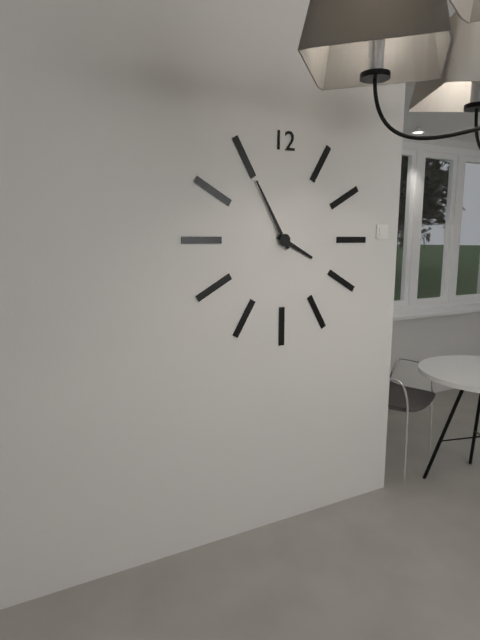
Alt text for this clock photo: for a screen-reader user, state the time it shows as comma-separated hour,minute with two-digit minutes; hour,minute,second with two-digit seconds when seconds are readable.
3,55
